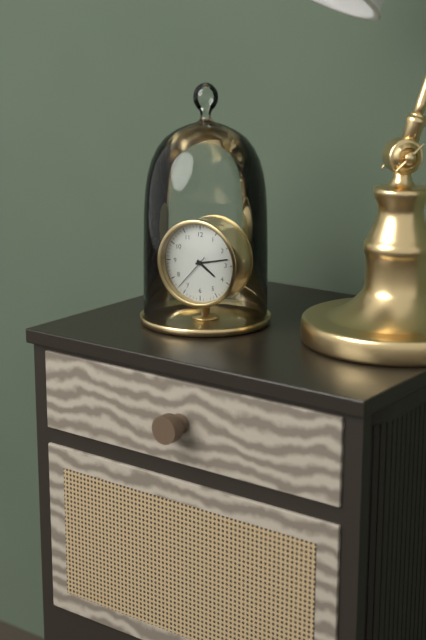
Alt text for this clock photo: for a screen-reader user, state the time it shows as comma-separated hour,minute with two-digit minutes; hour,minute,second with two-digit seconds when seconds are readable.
4,13
